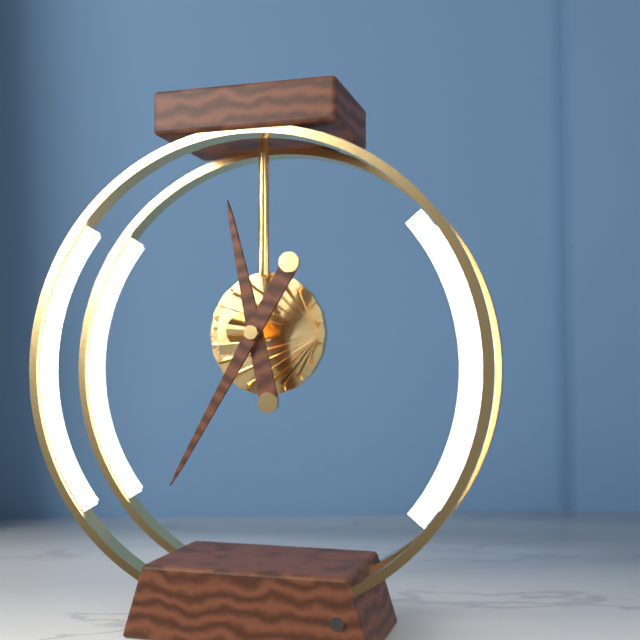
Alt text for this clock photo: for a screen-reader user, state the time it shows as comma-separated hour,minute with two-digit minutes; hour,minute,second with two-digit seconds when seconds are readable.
11,35
